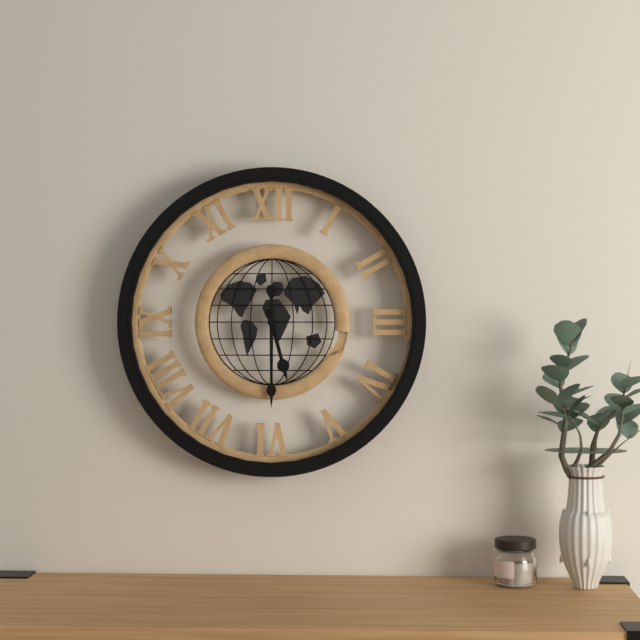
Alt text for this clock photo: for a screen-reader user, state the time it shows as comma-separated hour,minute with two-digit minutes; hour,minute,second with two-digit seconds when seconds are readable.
5,30
